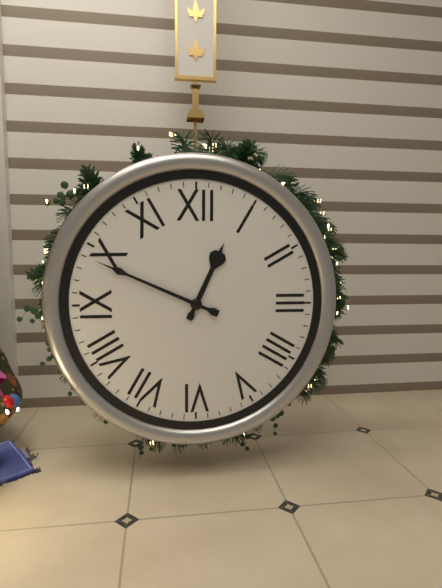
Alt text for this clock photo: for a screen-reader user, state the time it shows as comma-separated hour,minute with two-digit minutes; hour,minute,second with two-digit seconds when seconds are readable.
12,49
